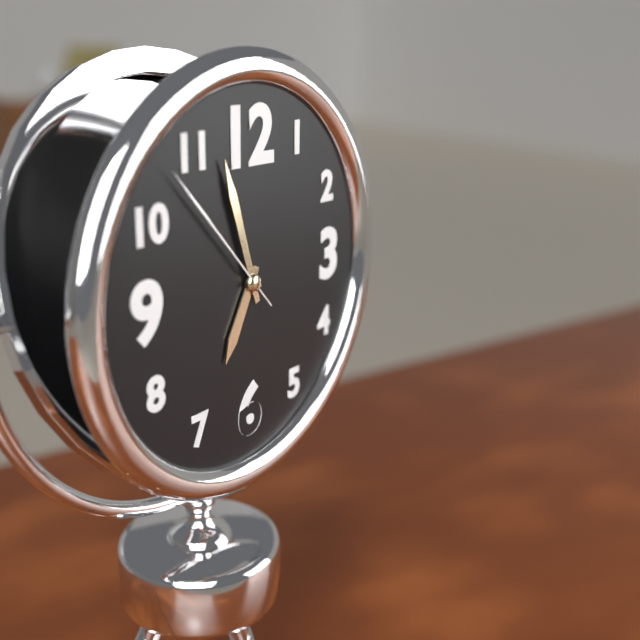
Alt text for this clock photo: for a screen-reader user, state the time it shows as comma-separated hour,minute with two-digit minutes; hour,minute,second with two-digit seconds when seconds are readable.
6,57,53
